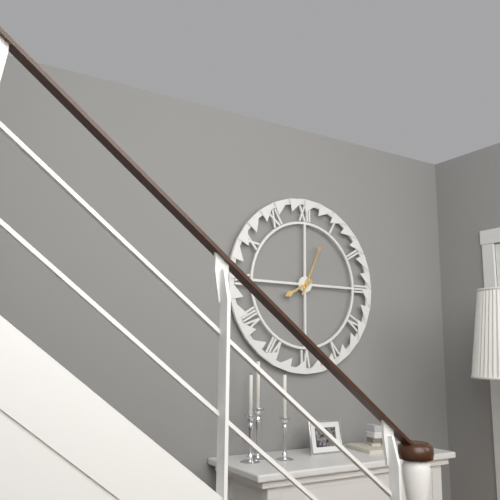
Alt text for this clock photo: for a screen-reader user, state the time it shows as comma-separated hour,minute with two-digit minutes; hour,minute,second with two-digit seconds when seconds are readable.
8,04
